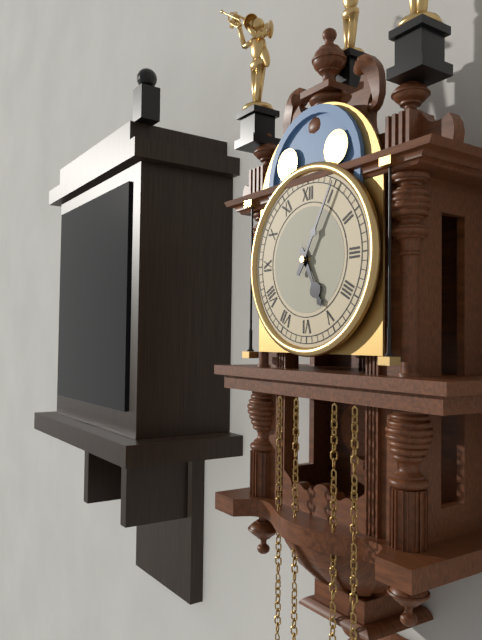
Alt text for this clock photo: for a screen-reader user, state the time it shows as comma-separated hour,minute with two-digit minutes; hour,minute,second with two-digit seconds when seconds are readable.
5,05
